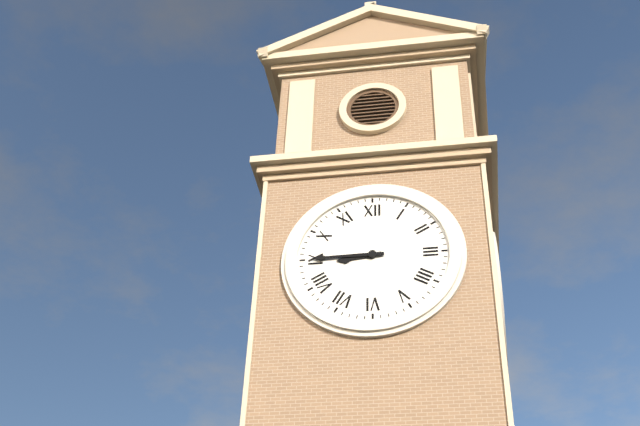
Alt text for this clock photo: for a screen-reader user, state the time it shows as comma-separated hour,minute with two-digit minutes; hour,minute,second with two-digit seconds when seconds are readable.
8,45
